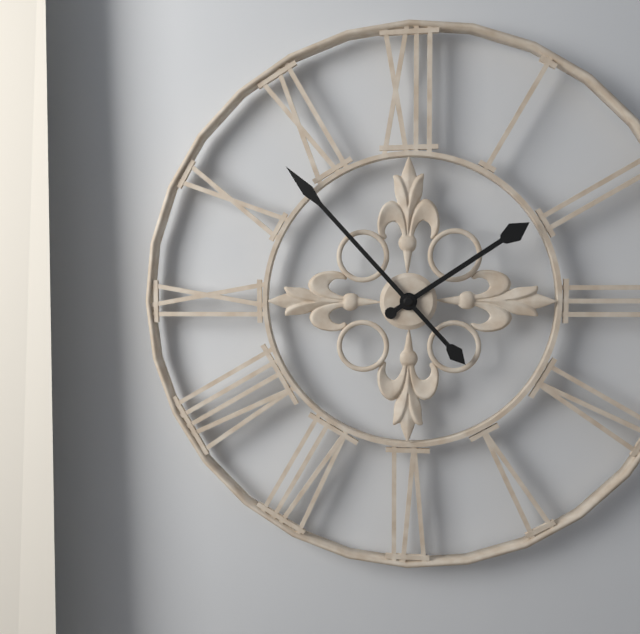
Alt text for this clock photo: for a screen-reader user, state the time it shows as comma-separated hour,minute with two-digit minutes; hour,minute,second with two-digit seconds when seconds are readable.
1,53
